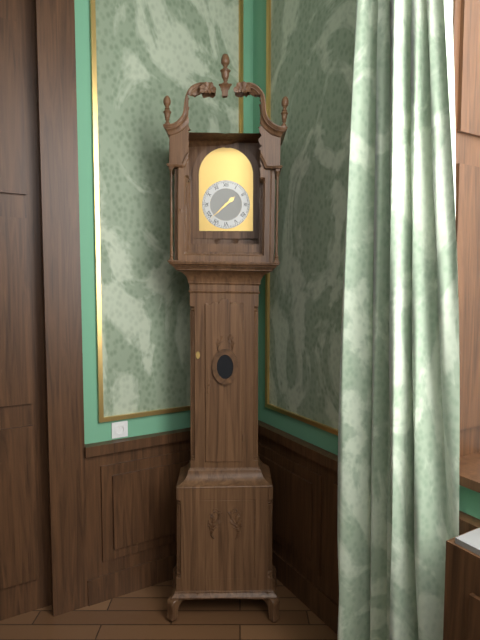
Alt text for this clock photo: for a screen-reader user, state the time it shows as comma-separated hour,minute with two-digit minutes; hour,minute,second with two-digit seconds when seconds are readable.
1,38
